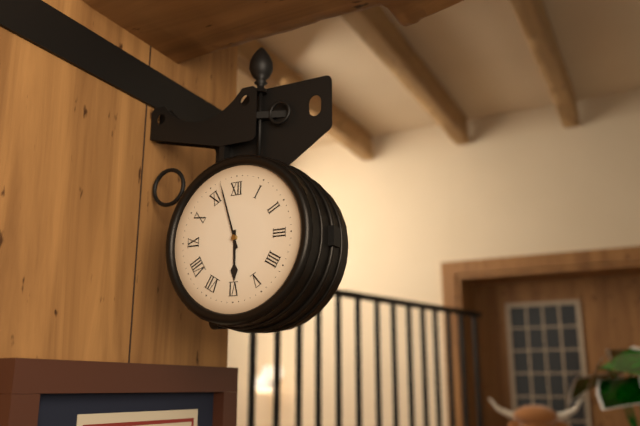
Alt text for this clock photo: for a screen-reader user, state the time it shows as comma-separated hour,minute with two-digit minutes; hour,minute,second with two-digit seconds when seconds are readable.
5,57
